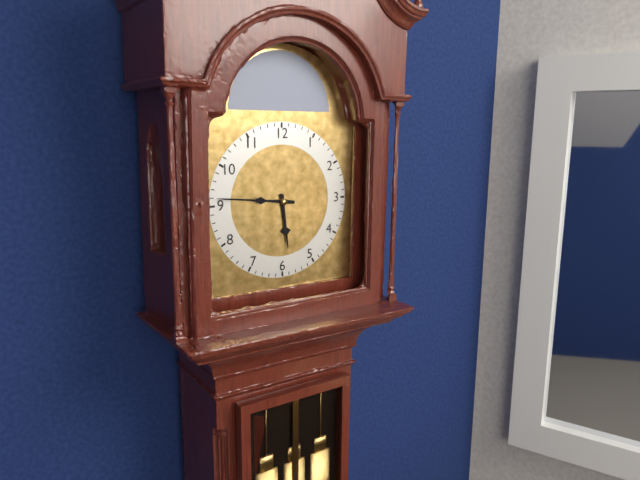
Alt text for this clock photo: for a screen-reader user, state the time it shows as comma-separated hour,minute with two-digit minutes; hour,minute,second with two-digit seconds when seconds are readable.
5,46
